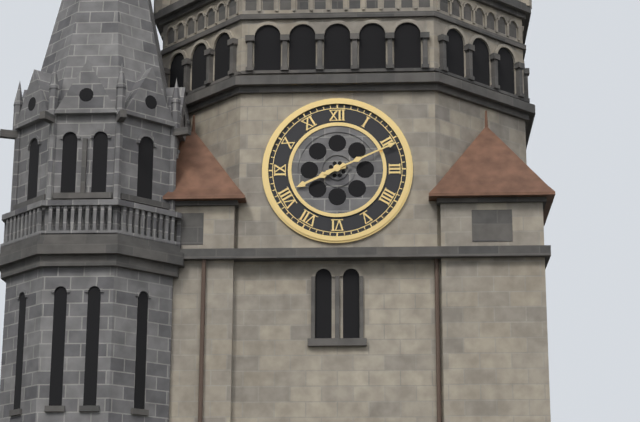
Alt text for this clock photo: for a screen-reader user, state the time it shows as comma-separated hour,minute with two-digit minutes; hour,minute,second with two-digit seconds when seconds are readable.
8,11
